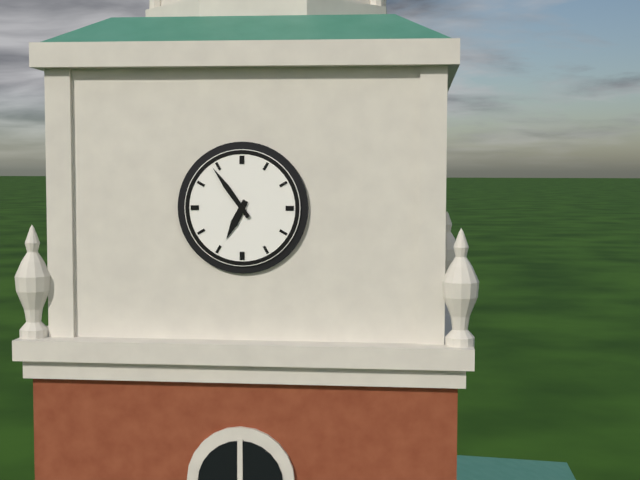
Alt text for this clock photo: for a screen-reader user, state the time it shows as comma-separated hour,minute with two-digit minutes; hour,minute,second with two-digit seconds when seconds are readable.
6,54
